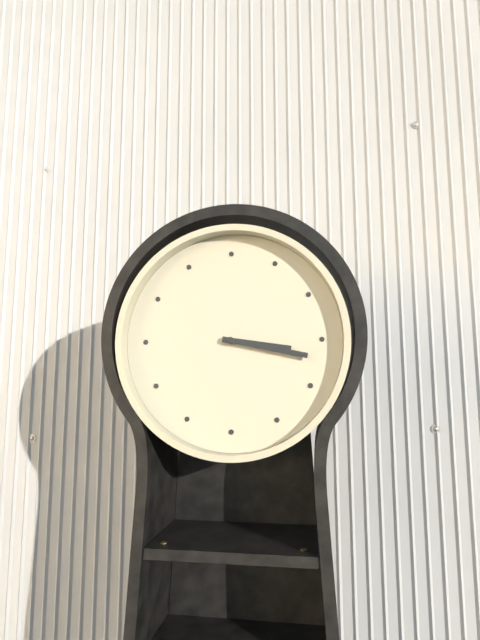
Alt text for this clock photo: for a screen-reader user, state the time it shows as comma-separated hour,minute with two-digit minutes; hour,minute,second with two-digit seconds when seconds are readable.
3,17
